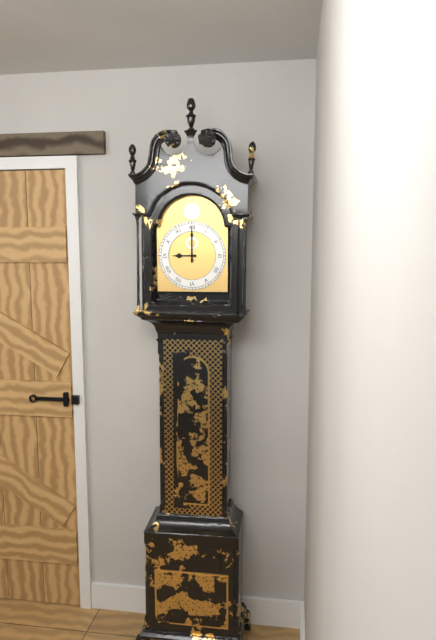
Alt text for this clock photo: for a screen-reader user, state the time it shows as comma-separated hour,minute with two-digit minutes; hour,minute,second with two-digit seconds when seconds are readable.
9,00
